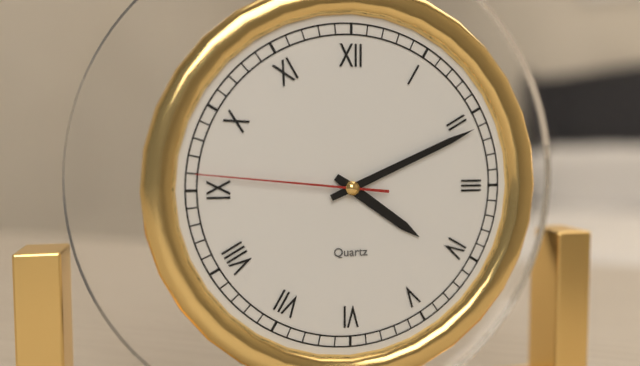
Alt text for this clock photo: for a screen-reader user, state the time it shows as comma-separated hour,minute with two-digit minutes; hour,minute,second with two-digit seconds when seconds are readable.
4,11,46
